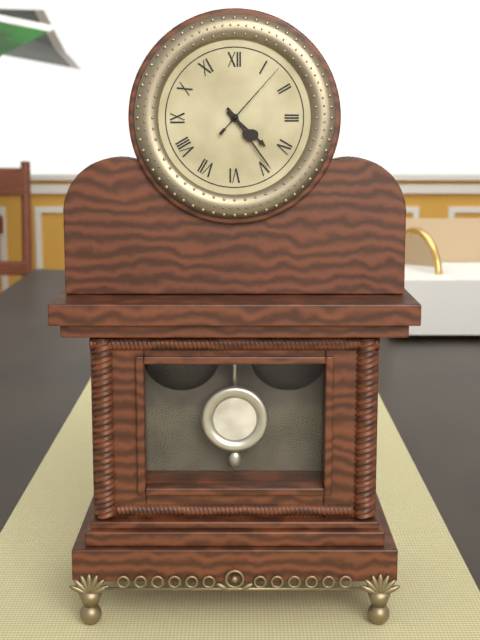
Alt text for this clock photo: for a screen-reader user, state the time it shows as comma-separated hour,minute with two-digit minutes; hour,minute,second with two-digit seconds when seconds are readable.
4,24,07
